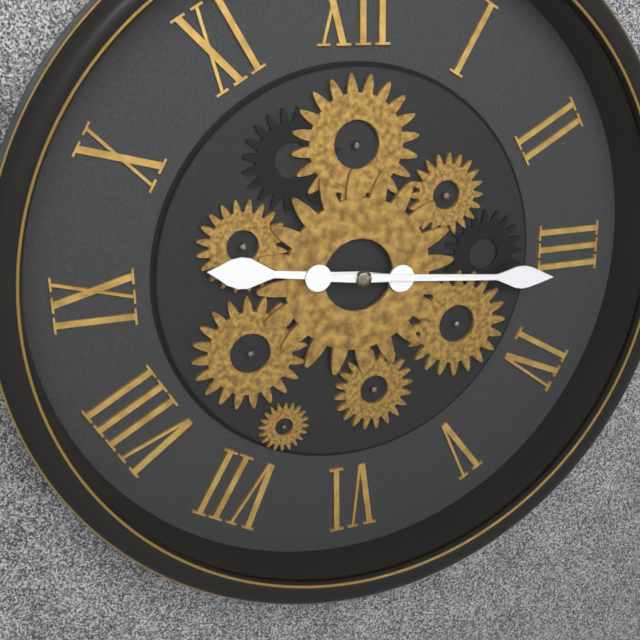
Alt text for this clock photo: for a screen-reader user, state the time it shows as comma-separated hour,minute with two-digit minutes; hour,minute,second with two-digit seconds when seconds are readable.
9,16
